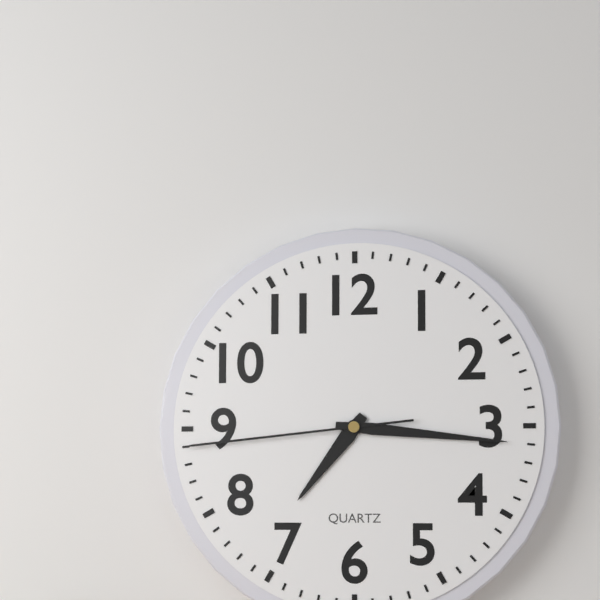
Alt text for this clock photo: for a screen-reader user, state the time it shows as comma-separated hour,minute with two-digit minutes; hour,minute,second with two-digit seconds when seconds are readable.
7,16,44
